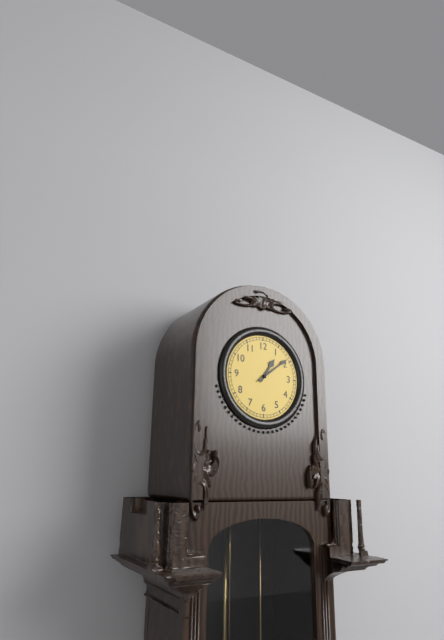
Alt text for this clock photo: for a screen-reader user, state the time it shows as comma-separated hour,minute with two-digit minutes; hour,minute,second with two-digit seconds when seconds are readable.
1,09
